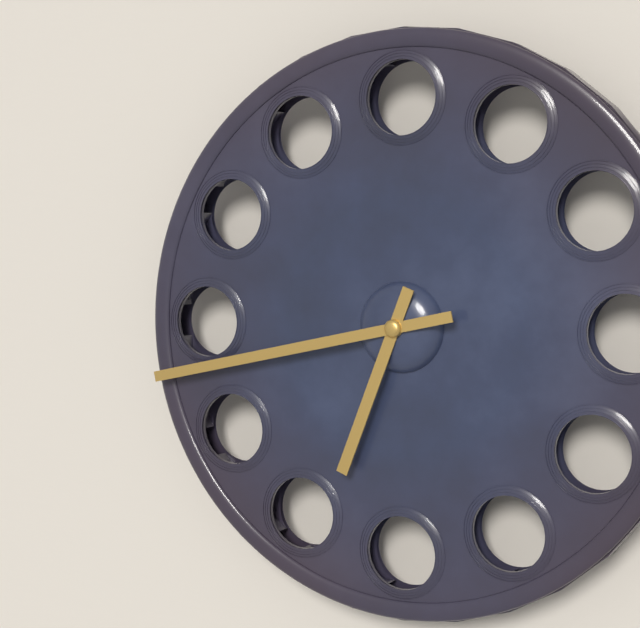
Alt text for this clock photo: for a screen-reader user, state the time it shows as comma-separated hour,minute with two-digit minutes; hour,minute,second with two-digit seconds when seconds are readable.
6,43
